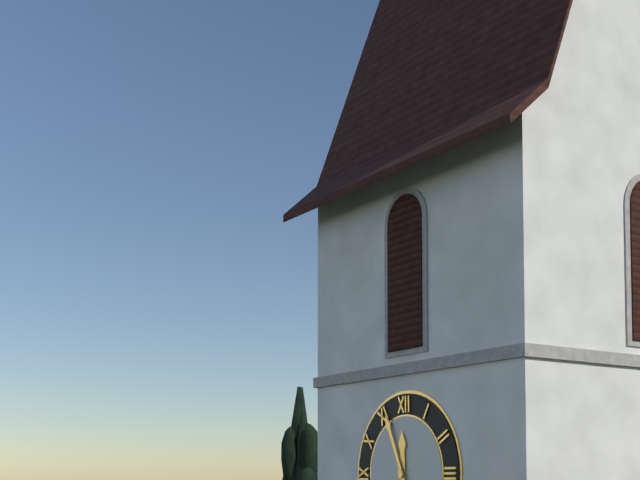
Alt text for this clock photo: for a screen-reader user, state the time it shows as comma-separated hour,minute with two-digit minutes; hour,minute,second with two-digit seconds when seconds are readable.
11,56
